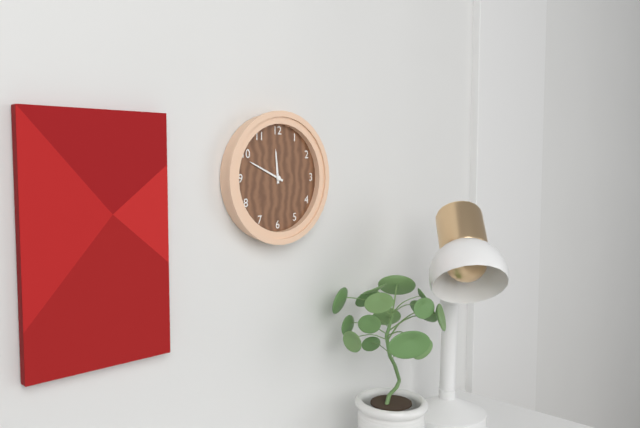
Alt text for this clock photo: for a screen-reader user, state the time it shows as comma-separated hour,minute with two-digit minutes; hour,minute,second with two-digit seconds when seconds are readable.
11,49
